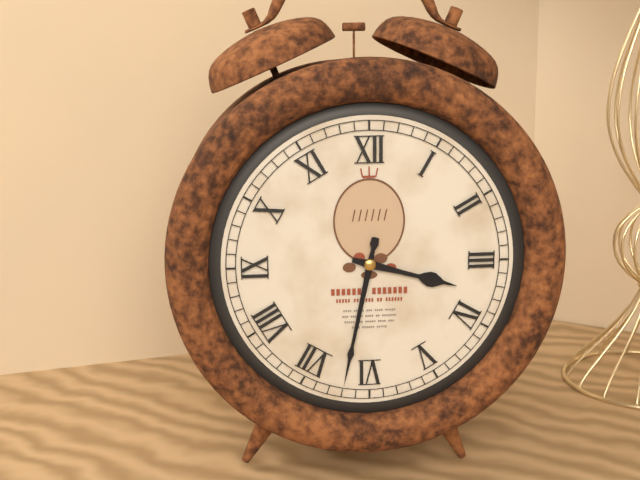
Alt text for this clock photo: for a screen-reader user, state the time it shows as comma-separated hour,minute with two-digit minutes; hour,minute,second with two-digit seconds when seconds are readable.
3,32
